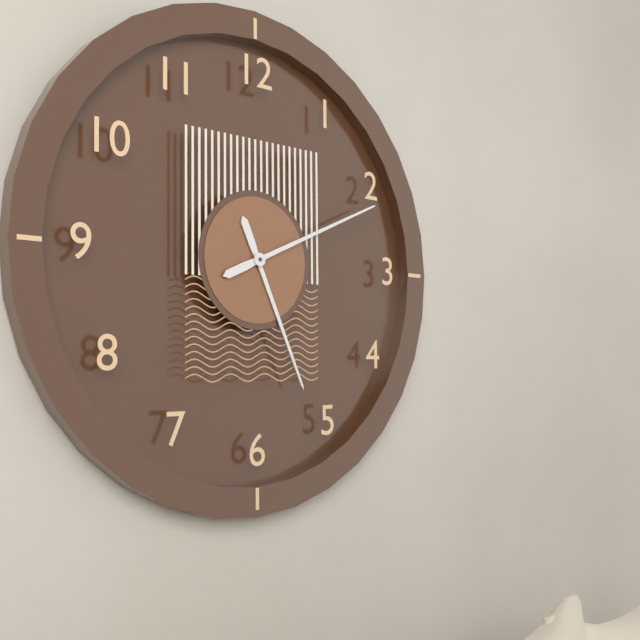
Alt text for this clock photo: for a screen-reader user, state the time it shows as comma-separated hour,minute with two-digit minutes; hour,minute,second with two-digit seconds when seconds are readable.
5,11
